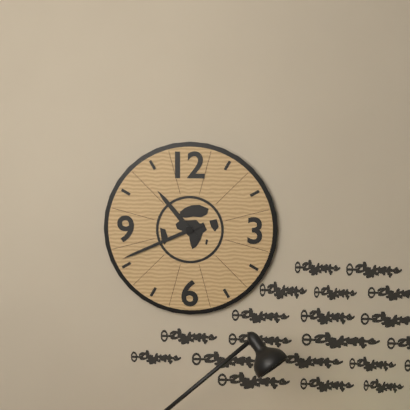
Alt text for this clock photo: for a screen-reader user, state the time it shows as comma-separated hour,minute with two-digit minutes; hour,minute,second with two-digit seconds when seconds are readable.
10,41
